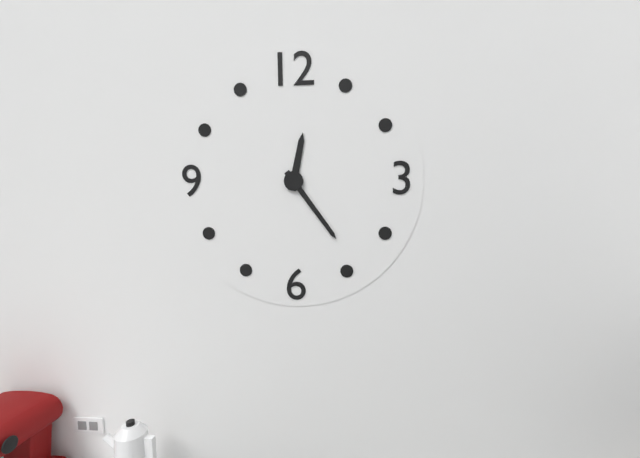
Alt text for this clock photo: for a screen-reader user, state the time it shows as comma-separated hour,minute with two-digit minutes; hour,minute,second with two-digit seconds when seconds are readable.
12,24
